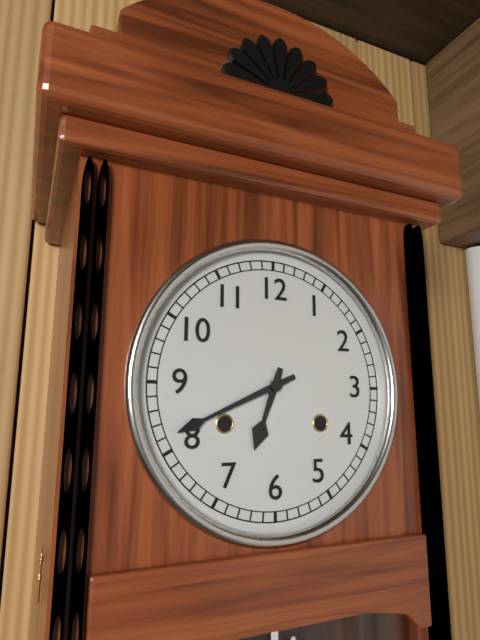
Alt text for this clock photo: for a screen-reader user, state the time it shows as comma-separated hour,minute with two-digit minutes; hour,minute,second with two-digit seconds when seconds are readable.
6,41
